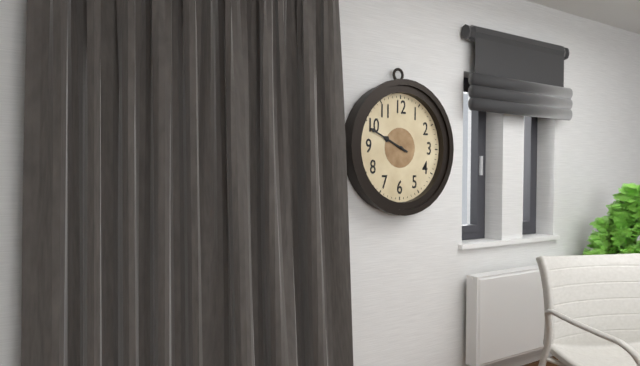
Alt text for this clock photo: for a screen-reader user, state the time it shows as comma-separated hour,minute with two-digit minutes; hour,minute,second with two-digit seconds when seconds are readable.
9,49
